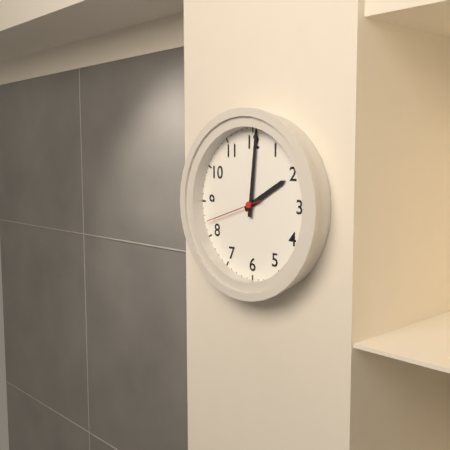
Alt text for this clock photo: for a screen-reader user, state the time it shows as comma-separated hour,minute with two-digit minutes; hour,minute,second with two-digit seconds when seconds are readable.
2,01,42
